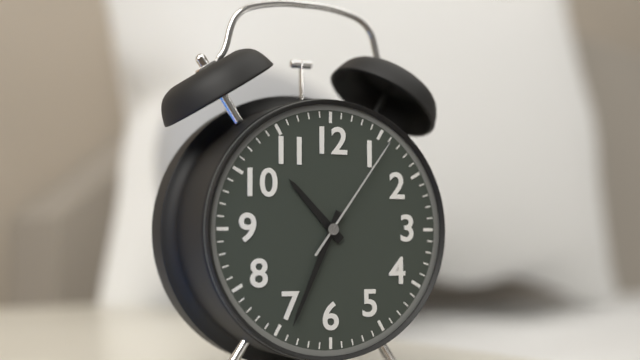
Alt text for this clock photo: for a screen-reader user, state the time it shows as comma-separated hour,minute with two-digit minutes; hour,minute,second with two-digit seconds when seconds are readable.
10,34,06
